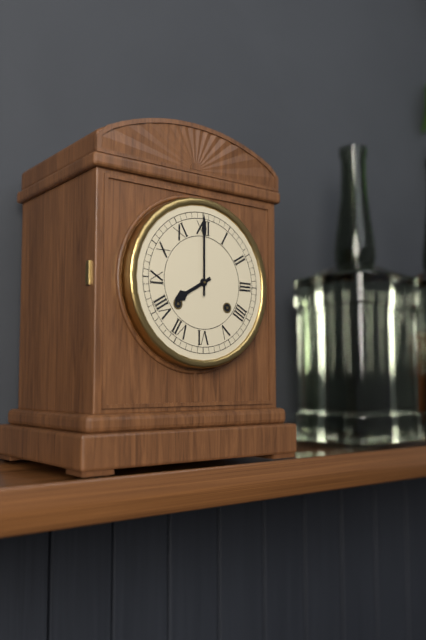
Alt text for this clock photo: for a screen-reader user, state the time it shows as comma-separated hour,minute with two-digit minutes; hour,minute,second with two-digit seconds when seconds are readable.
8,00
